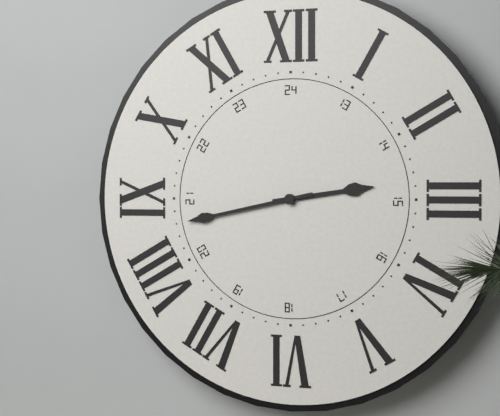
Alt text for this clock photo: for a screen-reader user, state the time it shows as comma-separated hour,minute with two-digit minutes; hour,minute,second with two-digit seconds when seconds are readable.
2,43
